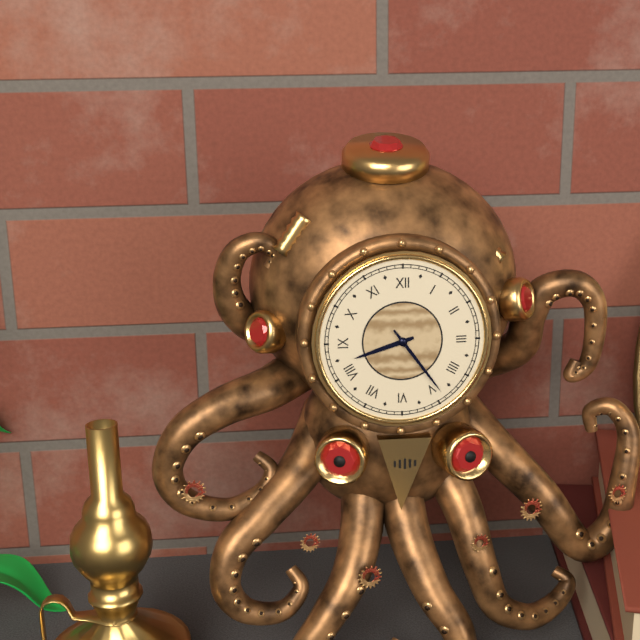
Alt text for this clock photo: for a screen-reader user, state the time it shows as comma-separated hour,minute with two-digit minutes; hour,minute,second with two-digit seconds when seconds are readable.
8,24
